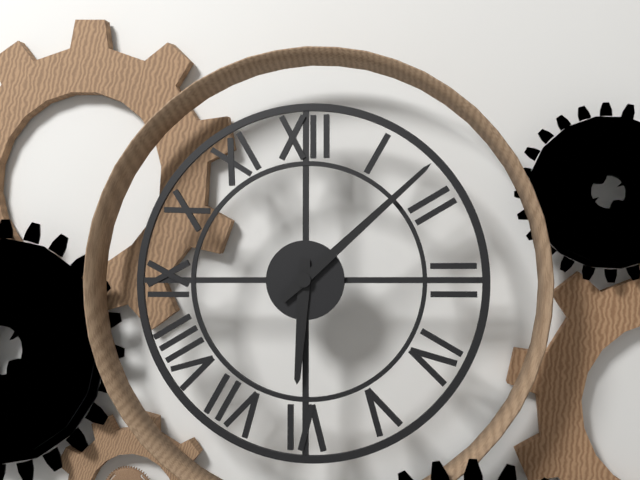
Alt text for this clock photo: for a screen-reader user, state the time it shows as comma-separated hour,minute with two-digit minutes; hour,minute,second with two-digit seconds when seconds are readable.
6,08
